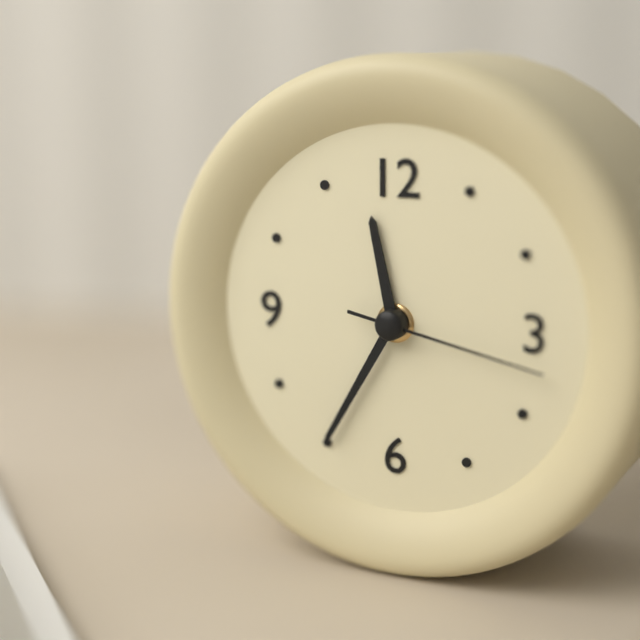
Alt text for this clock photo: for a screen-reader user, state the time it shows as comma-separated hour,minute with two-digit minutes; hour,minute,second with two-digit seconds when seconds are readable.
11,35,17
